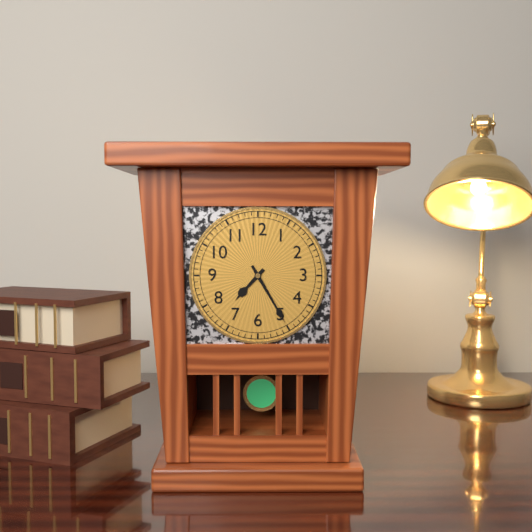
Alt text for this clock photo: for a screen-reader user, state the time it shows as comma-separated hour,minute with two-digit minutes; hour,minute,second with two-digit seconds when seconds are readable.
7,25
